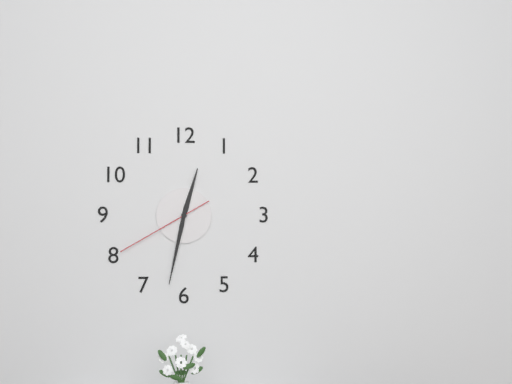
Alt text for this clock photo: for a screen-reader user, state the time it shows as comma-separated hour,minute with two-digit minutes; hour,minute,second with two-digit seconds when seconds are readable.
12,32,40
